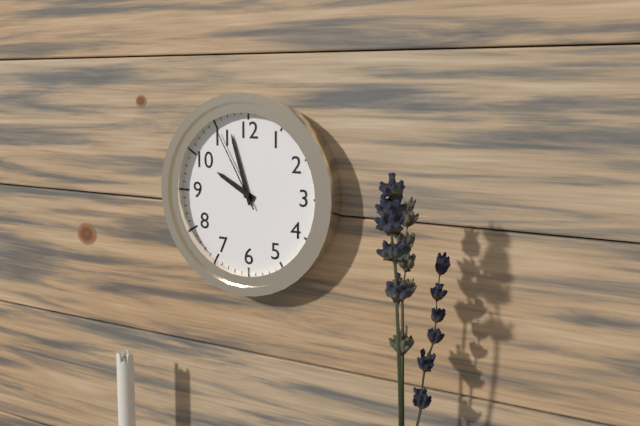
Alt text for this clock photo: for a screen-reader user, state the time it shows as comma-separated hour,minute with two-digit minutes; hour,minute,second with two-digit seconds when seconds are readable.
9,57,55
